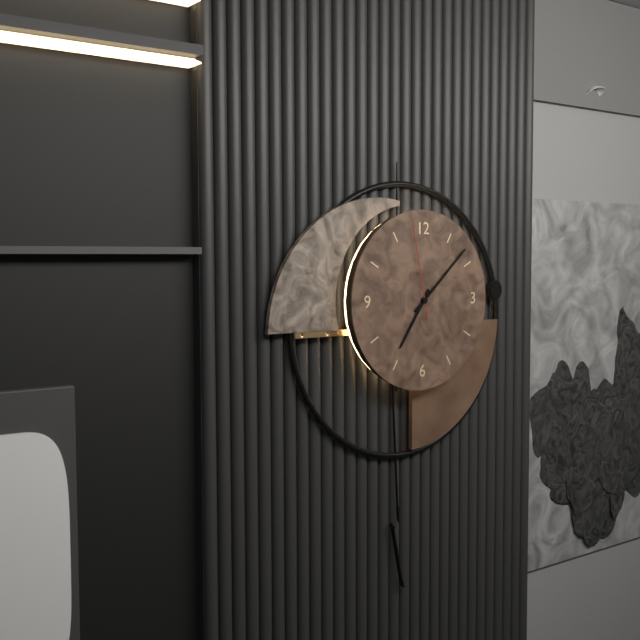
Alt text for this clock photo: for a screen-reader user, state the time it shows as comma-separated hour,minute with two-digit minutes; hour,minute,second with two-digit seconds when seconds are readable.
7,08,58
